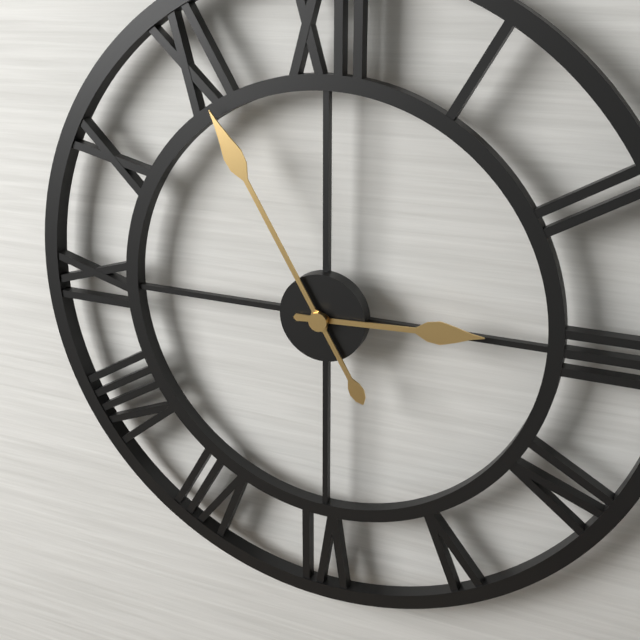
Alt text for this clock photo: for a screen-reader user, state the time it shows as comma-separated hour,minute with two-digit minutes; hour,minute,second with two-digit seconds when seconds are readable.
2,55
